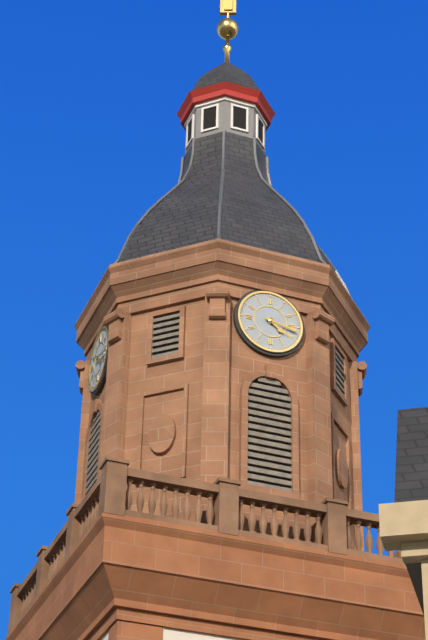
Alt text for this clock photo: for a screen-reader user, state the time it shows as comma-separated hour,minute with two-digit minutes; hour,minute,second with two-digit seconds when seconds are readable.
4,17
